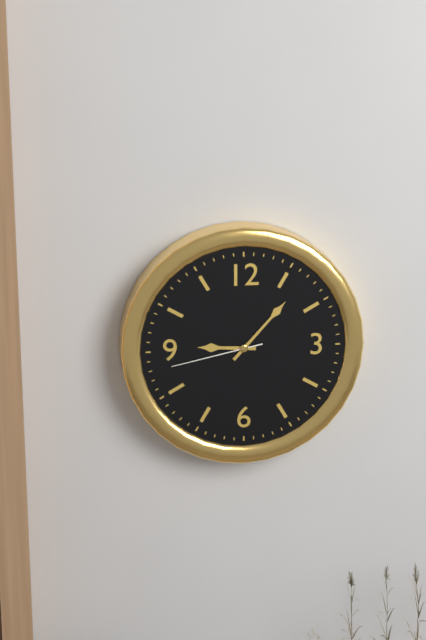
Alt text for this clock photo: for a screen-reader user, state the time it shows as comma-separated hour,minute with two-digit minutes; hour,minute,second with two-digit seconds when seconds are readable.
9,07,43
